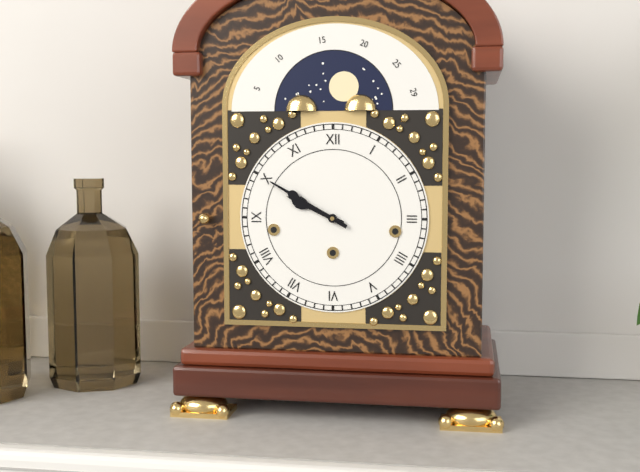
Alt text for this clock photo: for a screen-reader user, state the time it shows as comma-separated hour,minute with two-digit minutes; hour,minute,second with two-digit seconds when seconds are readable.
9,50
